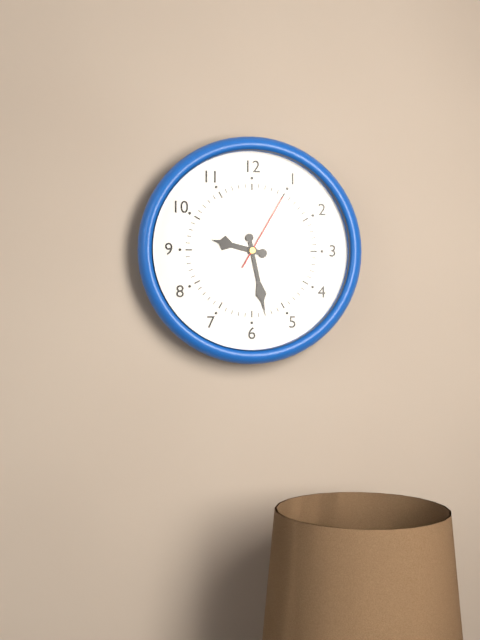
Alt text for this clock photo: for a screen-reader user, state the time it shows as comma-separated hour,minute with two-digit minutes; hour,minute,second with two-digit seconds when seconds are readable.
9,28,05
